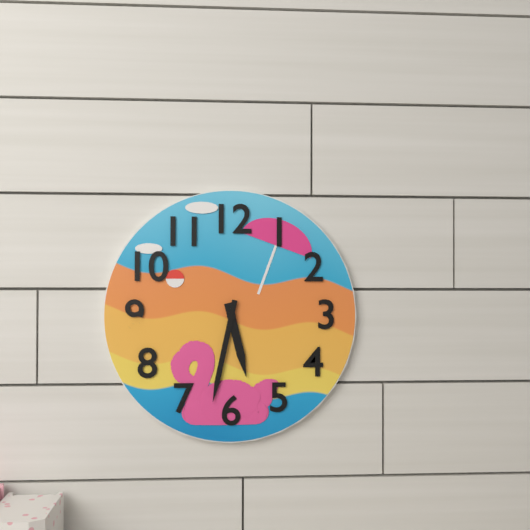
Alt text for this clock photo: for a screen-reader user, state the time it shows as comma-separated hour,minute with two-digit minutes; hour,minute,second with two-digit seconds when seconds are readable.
5,32
